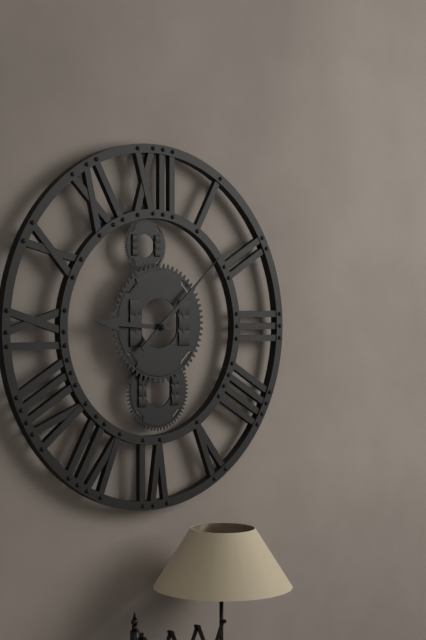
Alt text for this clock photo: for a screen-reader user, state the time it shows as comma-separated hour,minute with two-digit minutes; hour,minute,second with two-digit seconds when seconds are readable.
9,08
